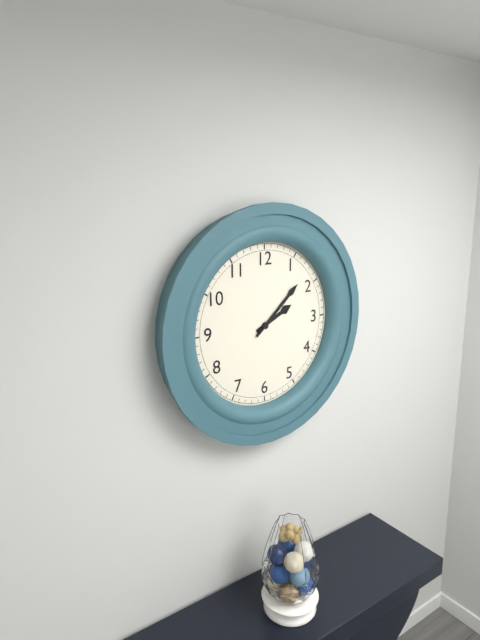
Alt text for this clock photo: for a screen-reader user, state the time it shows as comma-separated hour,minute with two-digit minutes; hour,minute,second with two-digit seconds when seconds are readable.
2,08
